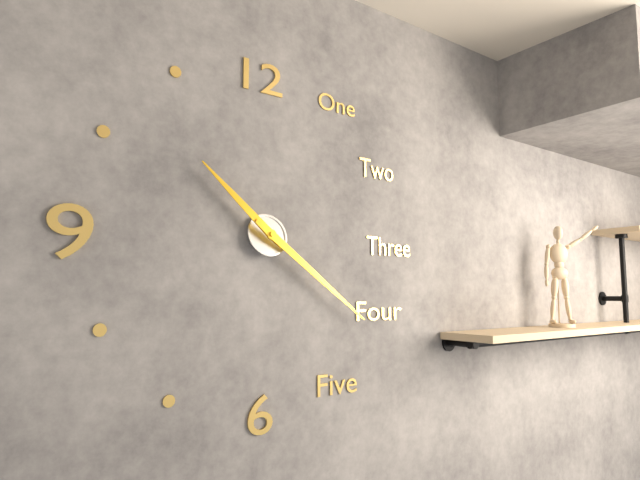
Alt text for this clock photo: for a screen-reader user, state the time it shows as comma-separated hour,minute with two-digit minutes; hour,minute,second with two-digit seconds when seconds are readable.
10,21
